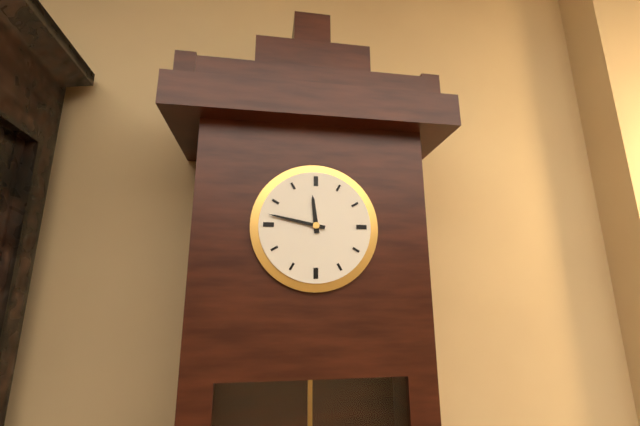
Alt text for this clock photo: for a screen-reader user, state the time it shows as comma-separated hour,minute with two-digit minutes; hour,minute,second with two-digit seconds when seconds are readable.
11,47
